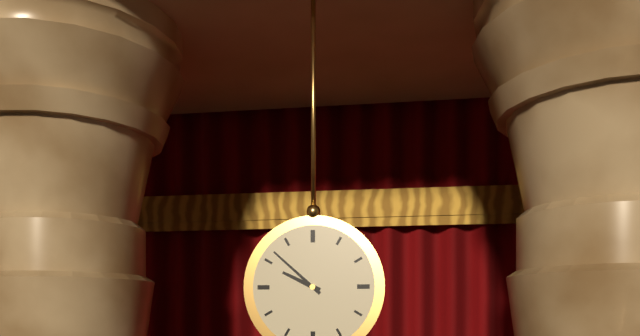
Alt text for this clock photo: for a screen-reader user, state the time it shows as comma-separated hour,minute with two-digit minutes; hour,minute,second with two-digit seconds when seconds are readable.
9,52
